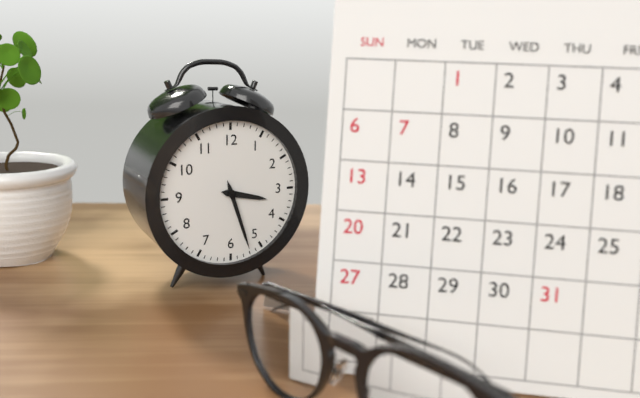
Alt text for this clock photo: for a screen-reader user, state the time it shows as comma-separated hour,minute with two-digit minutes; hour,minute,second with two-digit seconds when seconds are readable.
3,27
